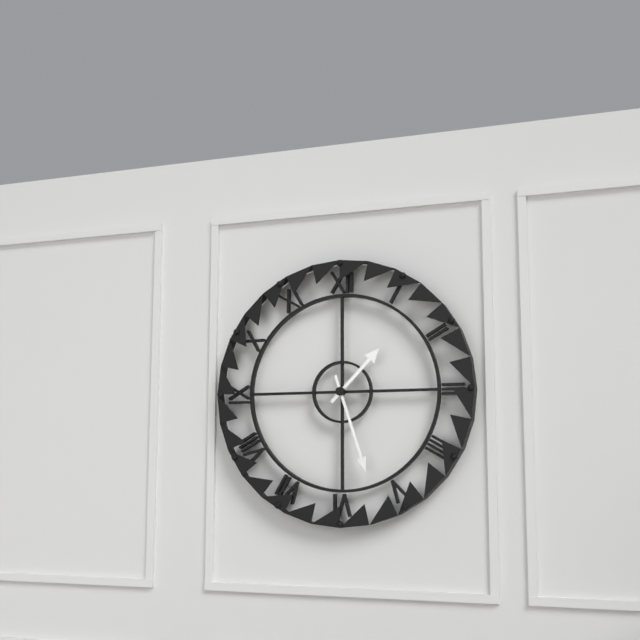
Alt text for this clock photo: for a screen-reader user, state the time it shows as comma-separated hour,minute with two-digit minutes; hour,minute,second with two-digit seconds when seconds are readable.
1,27
